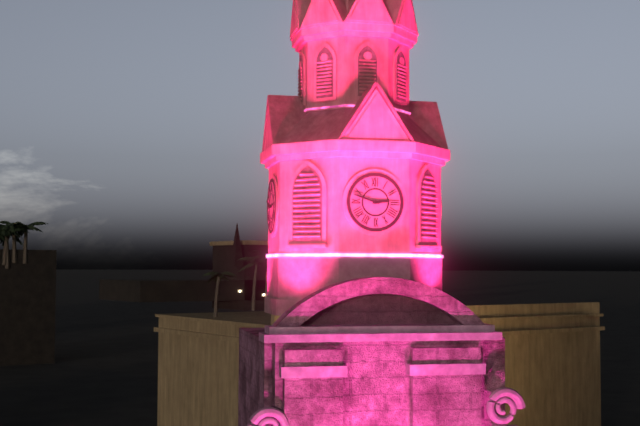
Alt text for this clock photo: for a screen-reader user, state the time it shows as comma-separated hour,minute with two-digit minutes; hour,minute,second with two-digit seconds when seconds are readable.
2,48
